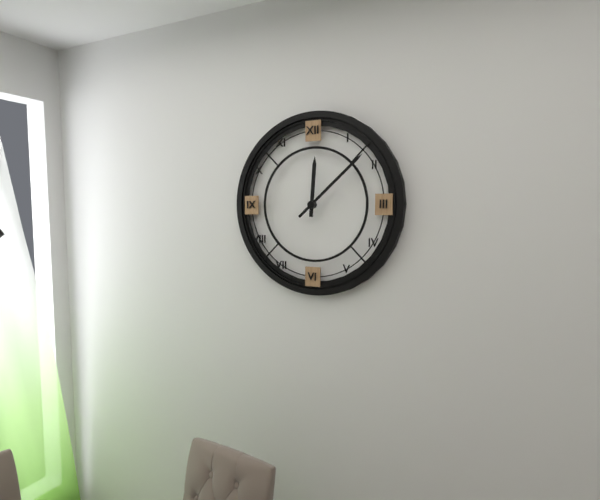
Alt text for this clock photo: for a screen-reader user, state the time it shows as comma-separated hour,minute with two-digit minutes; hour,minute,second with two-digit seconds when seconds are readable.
12,08
